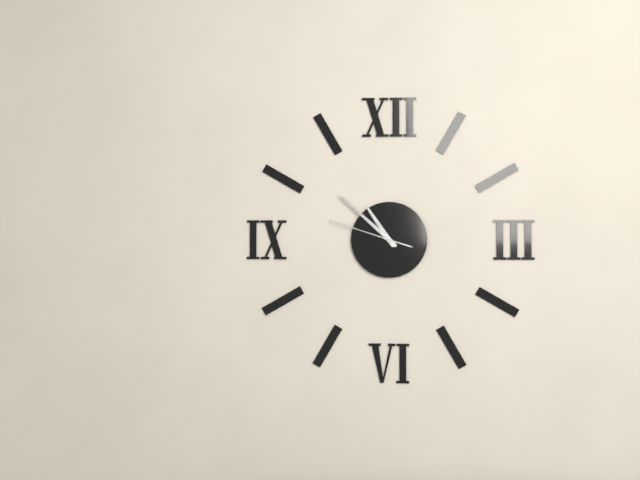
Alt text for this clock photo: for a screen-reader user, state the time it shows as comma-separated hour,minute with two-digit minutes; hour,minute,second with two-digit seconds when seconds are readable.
10,52,48
